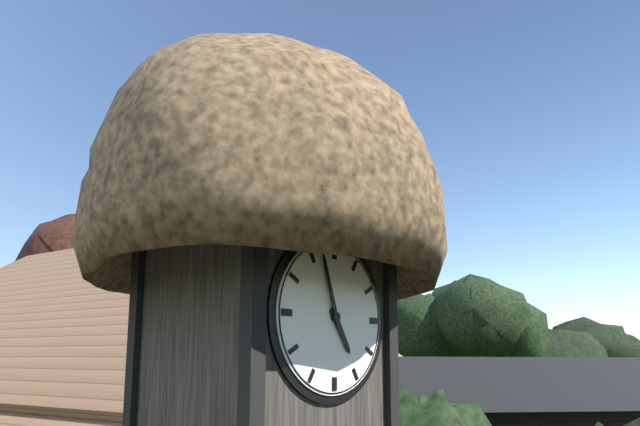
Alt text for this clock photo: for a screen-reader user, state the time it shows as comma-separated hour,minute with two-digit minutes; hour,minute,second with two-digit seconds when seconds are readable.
4,57
